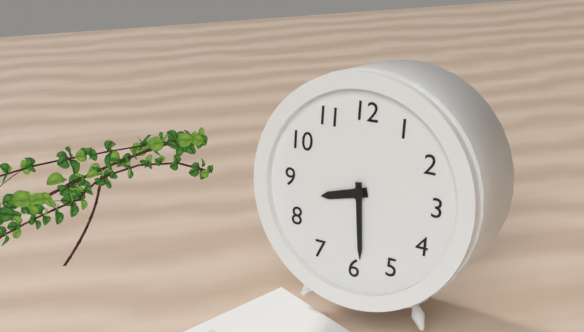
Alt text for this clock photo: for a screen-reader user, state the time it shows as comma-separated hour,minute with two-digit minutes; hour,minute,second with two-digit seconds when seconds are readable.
8,29
